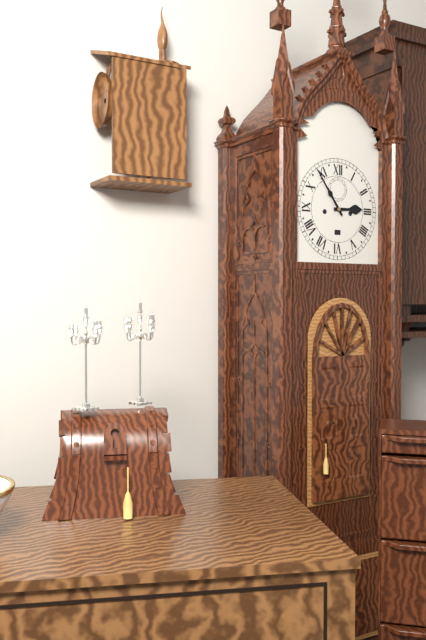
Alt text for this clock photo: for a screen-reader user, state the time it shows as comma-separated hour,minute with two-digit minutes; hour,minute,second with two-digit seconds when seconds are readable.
2,54
